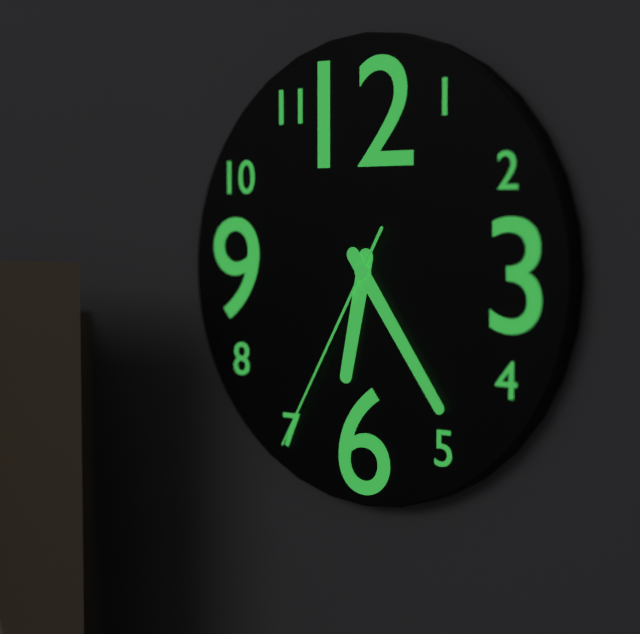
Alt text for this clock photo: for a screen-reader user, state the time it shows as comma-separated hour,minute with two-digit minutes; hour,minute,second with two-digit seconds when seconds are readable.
6,24,35
